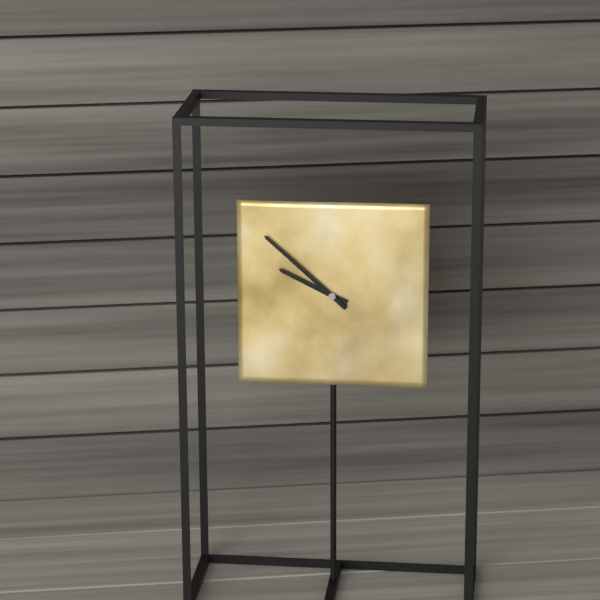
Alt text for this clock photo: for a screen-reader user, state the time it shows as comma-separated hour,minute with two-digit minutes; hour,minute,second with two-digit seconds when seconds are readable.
9,52
